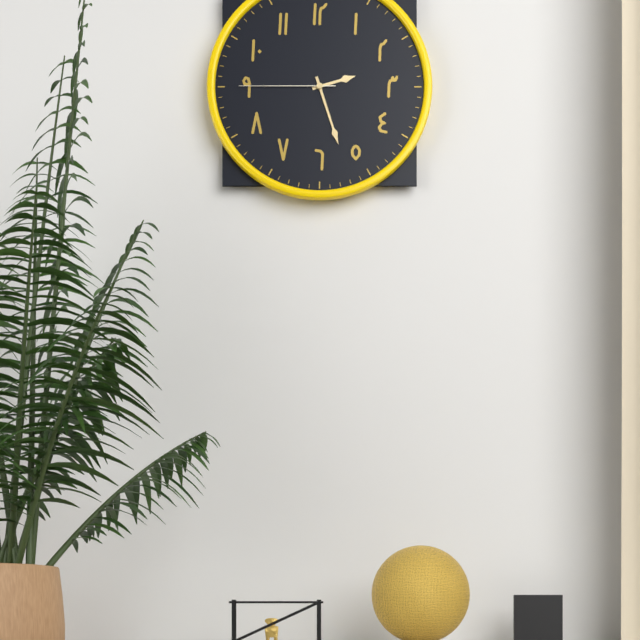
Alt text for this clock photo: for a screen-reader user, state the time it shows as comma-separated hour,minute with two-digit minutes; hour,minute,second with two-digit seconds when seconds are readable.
2,27,45
